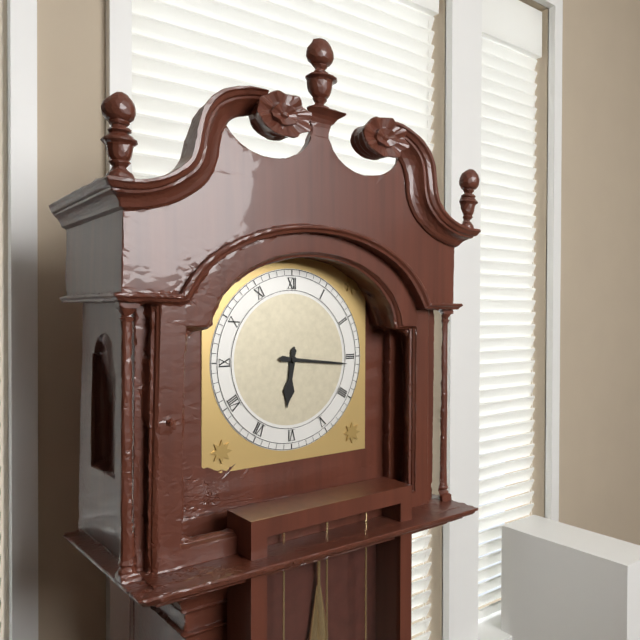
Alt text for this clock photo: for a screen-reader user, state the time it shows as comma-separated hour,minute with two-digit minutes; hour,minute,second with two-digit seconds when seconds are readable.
6,16
